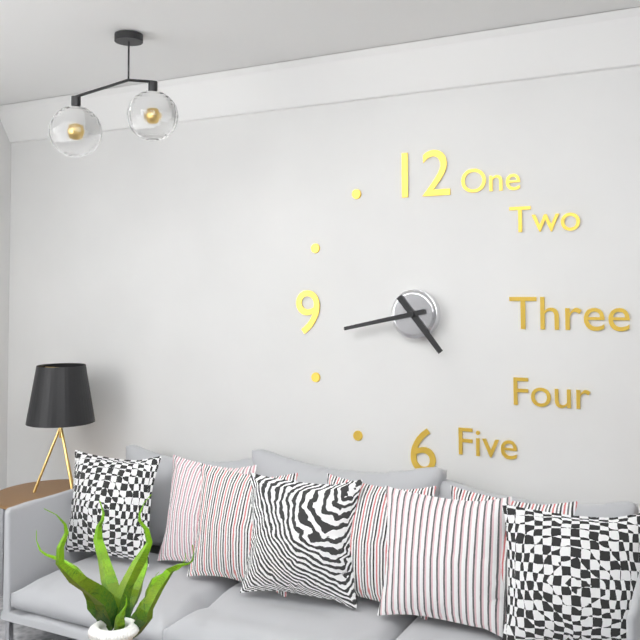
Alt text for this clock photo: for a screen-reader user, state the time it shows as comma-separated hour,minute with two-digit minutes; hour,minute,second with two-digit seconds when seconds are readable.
4,43
